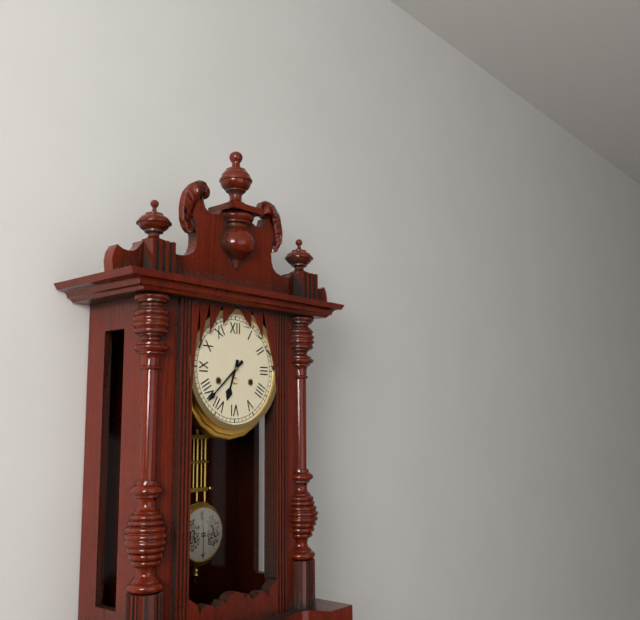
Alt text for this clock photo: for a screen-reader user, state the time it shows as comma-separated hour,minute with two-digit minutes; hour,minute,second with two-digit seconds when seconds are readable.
6,38
